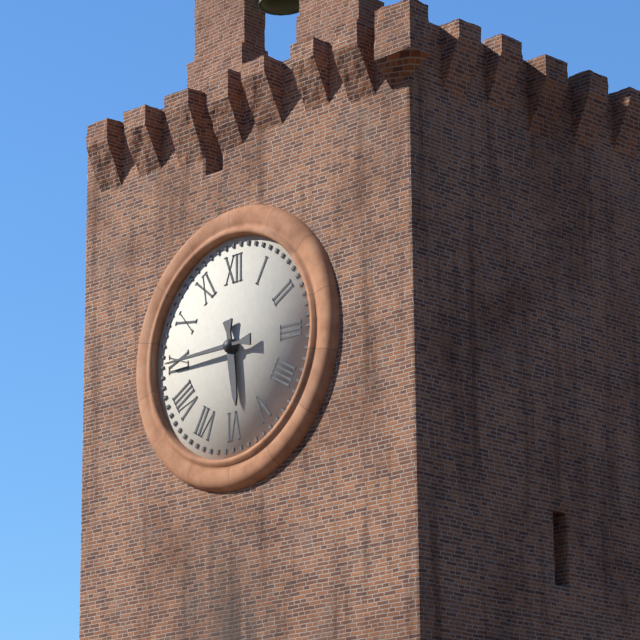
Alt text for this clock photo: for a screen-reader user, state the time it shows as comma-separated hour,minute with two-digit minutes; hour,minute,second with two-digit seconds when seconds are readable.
5,45
